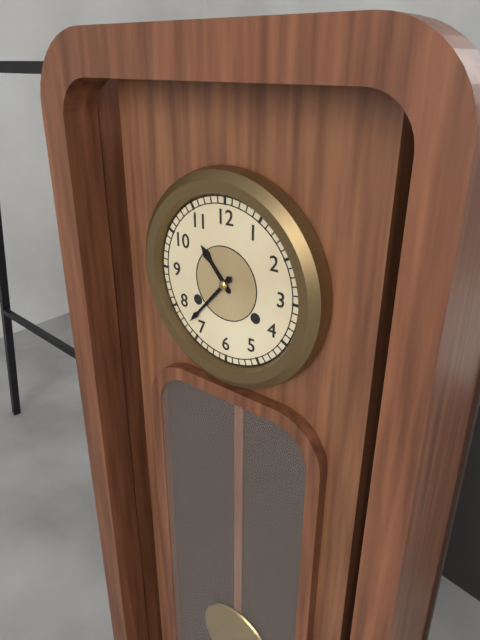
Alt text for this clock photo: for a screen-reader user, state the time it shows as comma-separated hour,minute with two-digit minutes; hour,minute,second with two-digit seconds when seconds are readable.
10,37
